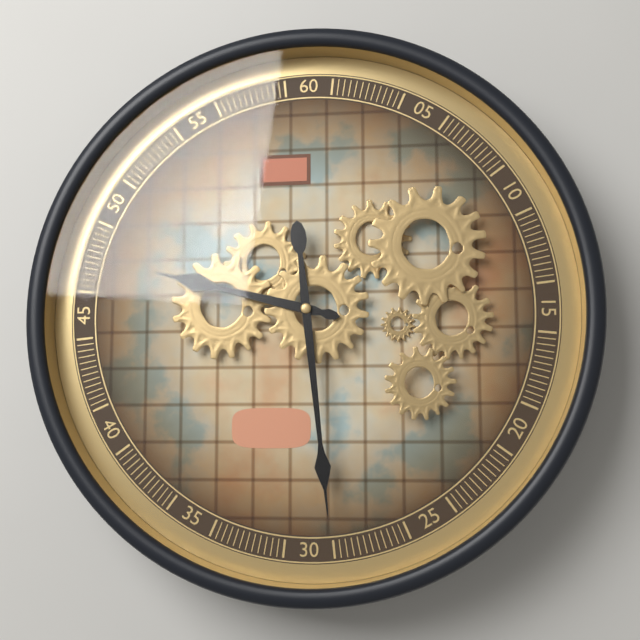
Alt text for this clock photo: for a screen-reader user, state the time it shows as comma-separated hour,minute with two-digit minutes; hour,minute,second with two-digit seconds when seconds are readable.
9,29
